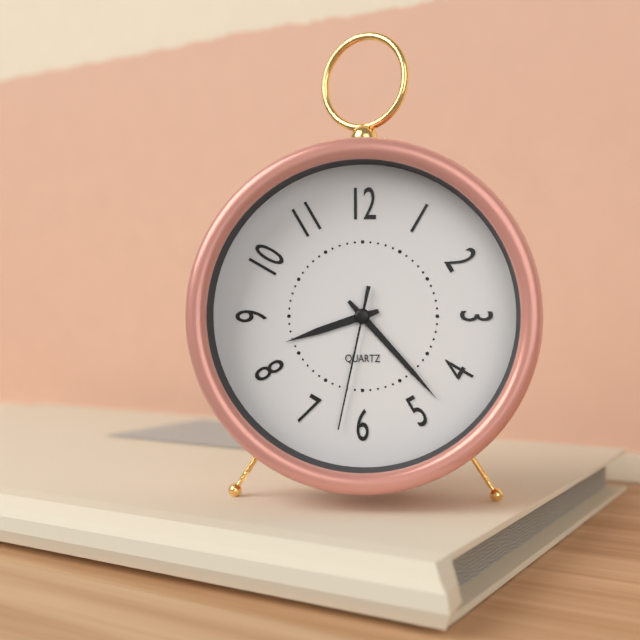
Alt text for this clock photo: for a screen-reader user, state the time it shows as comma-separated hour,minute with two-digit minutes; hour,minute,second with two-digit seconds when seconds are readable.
8,23,32
